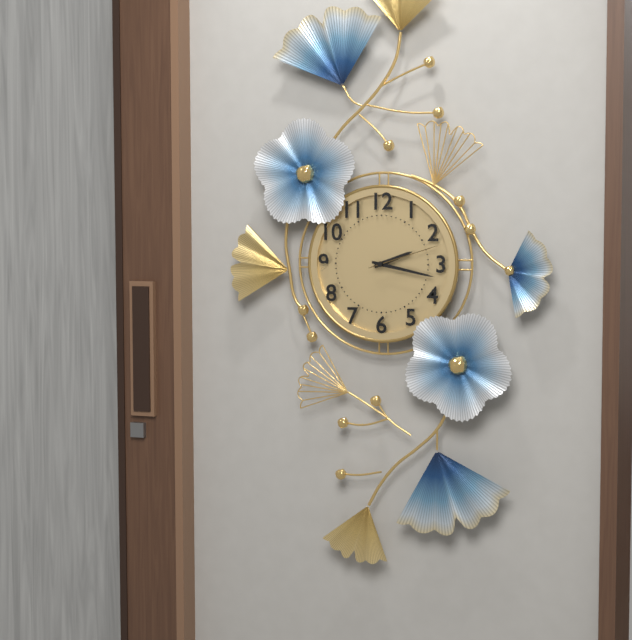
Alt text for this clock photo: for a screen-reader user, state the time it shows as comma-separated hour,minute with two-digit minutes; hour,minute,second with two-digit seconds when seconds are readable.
2,17,12
